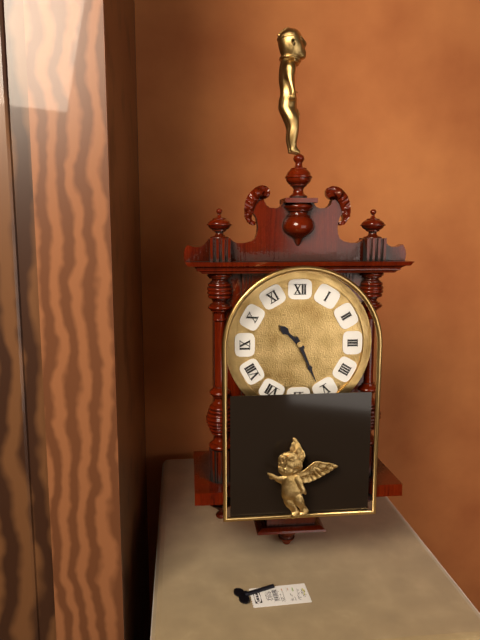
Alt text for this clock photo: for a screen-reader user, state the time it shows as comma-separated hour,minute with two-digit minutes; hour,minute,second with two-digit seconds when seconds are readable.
10,26
